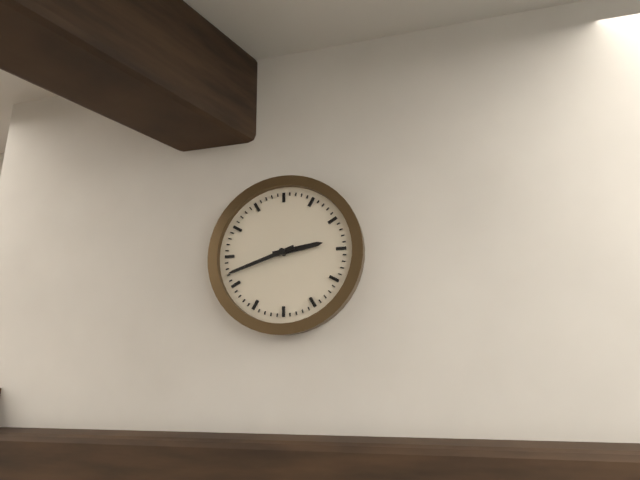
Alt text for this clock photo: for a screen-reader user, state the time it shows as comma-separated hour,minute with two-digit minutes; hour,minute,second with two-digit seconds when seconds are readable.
2,42
